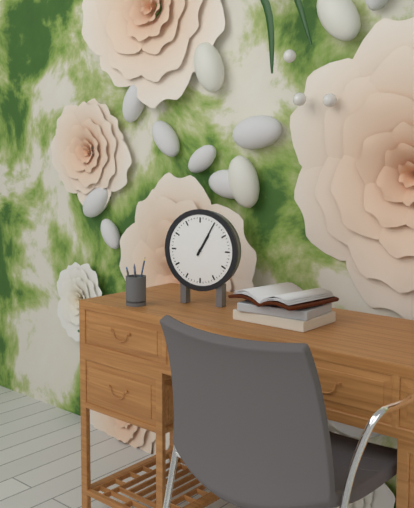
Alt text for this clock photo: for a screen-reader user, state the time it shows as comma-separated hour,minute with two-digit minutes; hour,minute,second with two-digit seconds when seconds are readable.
1,05
